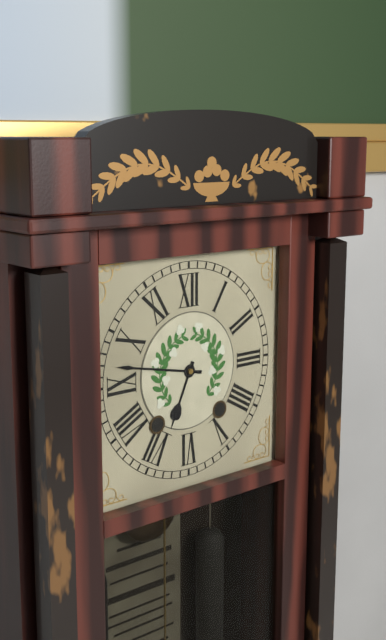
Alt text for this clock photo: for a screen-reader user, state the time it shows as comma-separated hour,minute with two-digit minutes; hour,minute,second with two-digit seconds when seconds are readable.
6,47
